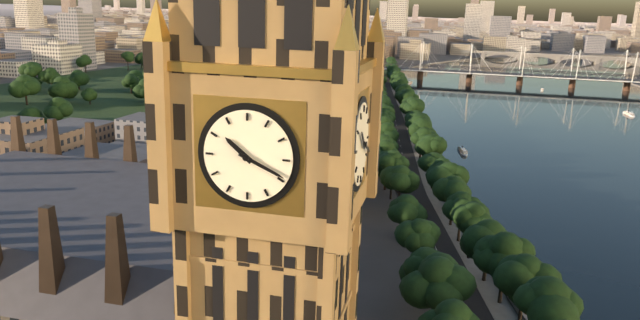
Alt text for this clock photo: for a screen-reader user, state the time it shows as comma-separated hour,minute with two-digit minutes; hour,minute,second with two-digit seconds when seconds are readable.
10,19
